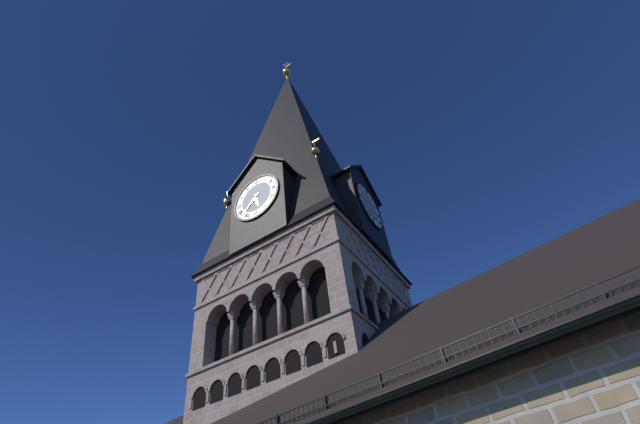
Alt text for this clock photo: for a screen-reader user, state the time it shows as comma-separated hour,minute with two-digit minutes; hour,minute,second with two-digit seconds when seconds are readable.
5,38
